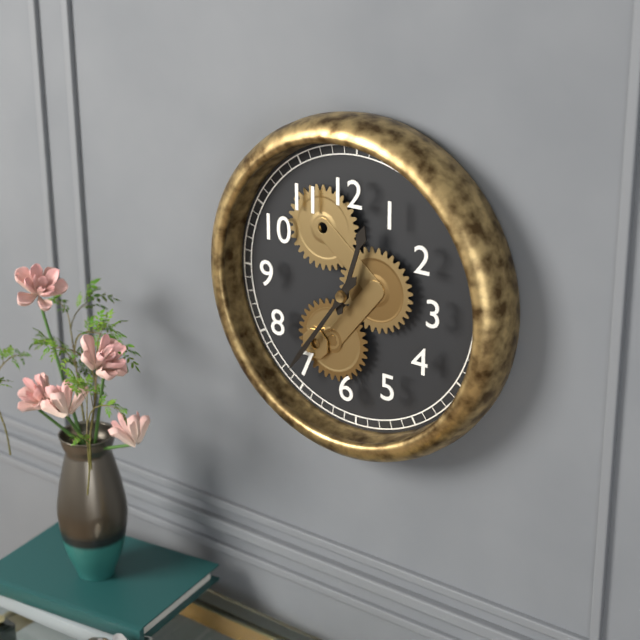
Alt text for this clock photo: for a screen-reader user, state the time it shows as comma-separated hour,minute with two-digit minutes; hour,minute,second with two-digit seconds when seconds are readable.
12,36
